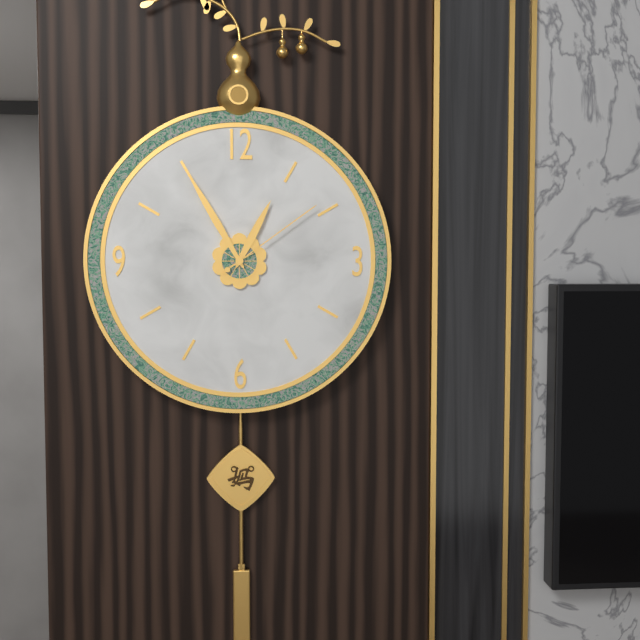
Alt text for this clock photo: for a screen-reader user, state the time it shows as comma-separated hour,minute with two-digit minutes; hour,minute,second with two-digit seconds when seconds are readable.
12,55,09
